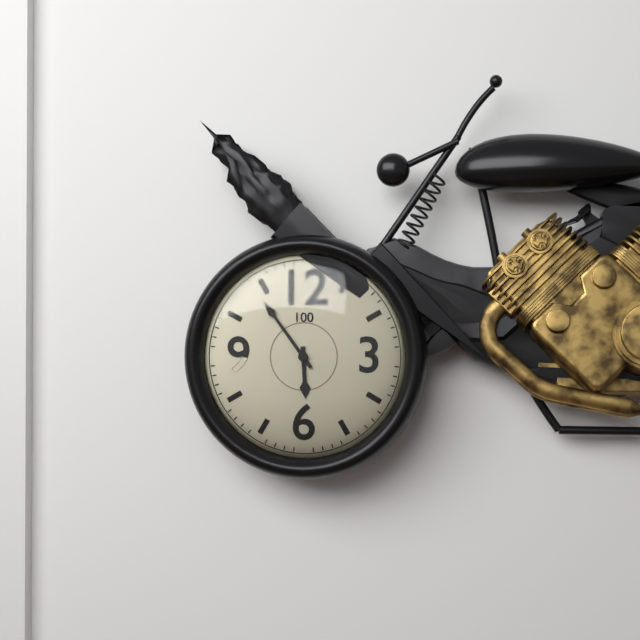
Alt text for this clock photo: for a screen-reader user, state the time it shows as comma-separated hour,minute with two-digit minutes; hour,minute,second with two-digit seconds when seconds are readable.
5,54
